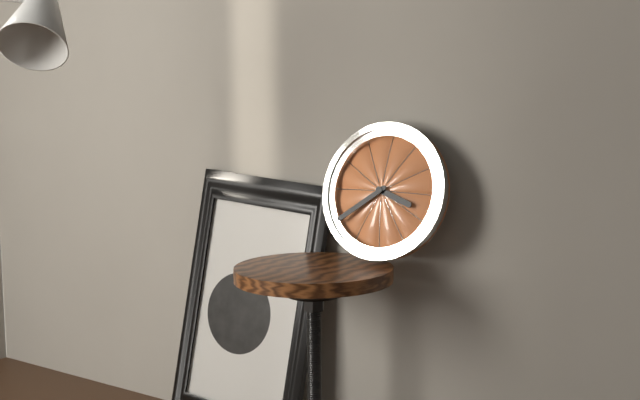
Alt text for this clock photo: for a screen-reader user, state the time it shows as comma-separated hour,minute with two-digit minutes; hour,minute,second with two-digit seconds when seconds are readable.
3,39
